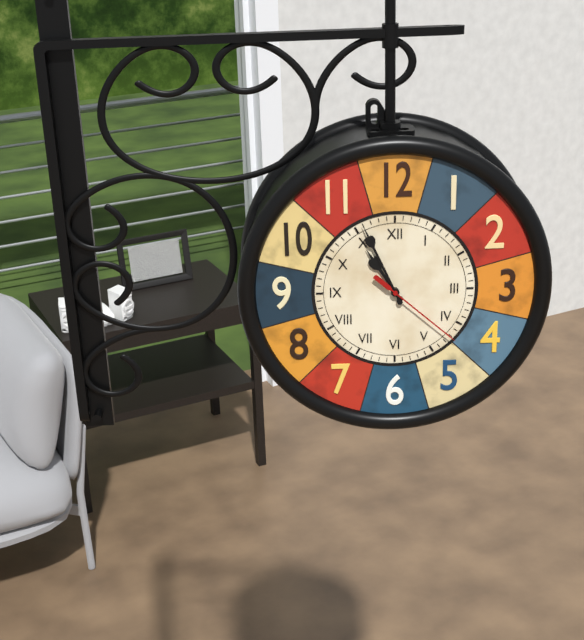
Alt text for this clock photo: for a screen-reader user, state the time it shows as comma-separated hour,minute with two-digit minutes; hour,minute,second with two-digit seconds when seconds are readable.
10,56,22
